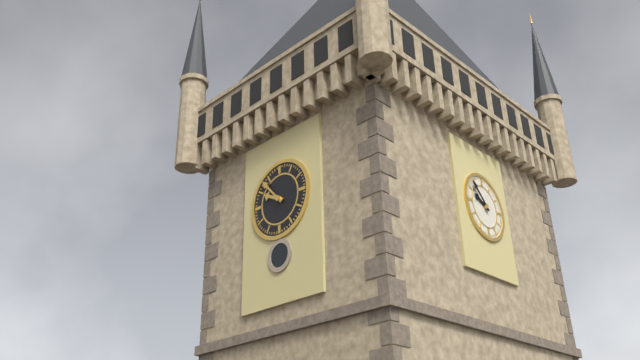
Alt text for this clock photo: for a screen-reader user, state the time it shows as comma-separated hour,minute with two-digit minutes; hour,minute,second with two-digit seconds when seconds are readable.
9,53
